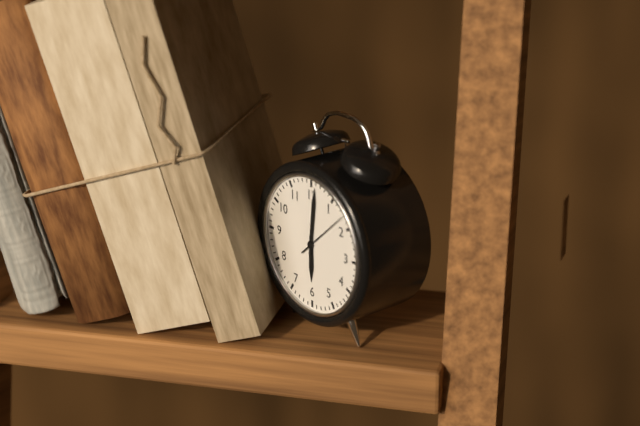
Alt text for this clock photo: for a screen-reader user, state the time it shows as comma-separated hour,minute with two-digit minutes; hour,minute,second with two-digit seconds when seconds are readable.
6,01
